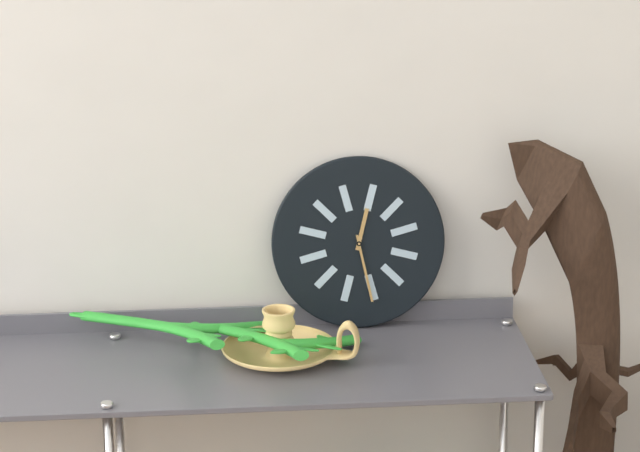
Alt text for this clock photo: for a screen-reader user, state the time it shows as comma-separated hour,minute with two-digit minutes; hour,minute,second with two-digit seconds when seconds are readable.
12,28
